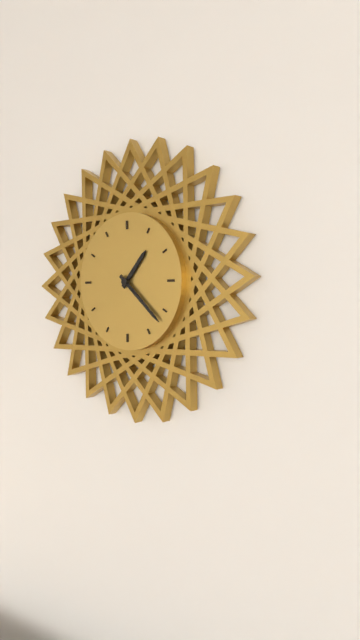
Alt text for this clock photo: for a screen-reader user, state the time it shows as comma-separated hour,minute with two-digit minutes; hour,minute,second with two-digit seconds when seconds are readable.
1,22
